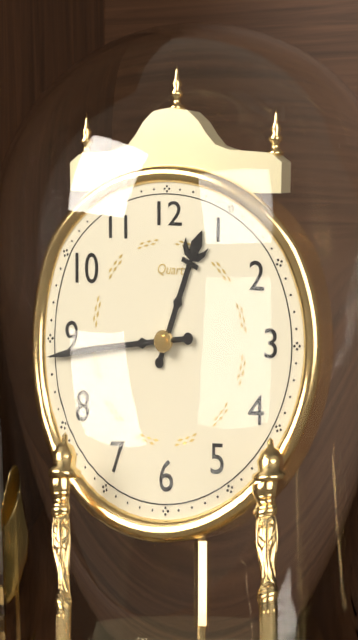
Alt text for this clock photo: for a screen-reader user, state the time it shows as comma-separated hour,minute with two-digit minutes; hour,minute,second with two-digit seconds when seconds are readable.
12,44
